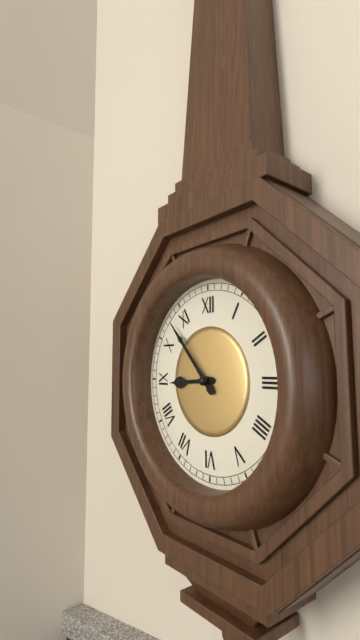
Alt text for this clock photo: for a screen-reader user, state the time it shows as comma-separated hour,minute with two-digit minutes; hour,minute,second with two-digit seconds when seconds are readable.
8,53
